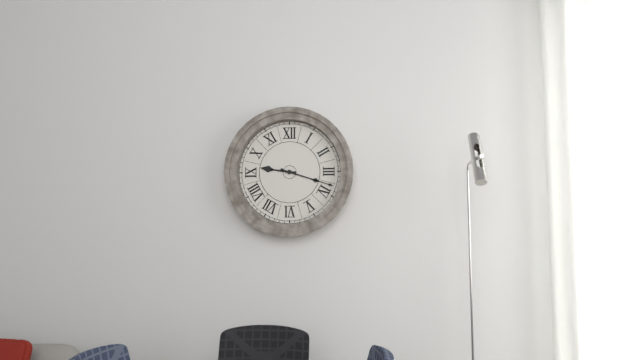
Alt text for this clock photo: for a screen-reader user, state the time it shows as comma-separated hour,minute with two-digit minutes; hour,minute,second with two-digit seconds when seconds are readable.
9,18
